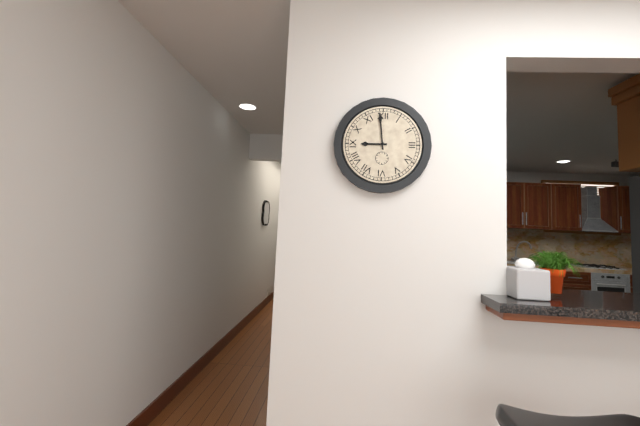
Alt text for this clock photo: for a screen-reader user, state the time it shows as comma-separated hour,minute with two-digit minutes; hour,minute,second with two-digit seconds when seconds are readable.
8,59
